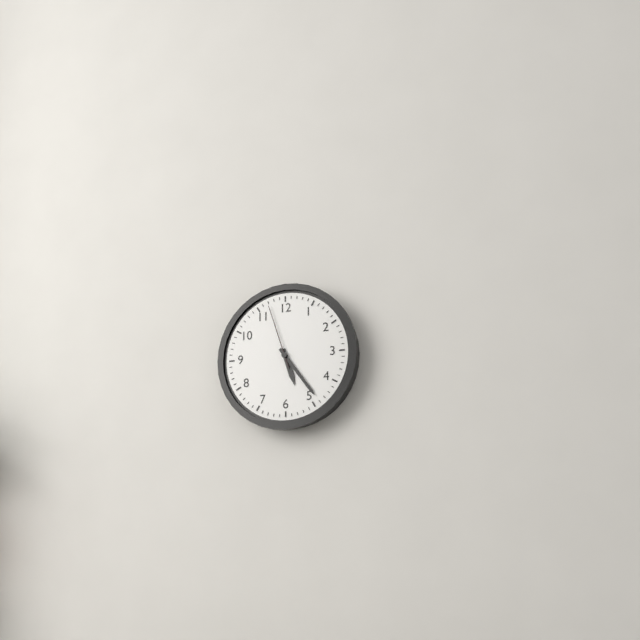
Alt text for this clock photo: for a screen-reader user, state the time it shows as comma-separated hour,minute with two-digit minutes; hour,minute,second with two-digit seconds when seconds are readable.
5,24,57
